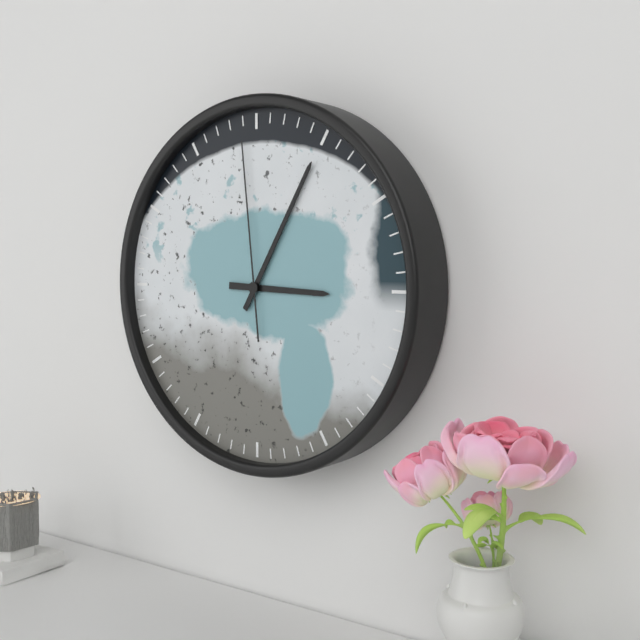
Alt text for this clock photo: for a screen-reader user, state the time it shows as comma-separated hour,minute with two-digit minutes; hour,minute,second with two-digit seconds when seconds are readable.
3,05,59
